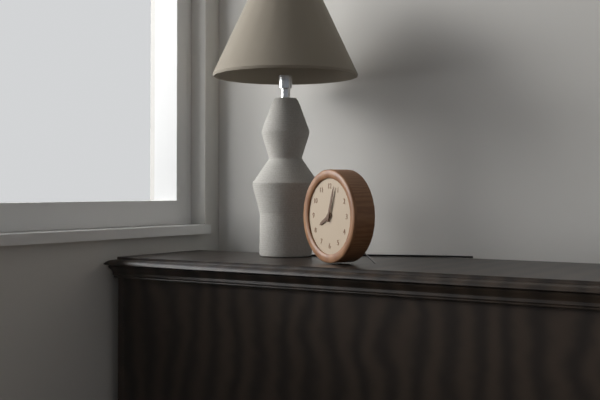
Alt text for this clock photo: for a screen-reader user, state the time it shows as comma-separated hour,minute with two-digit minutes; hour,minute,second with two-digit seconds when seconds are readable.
8,03
